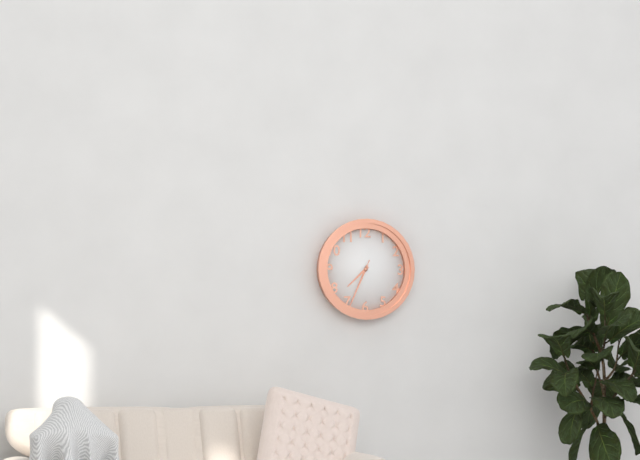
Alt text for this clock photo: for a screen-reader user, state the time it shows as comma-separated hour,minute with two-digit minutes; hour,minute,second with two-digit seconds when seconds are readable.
7,34
